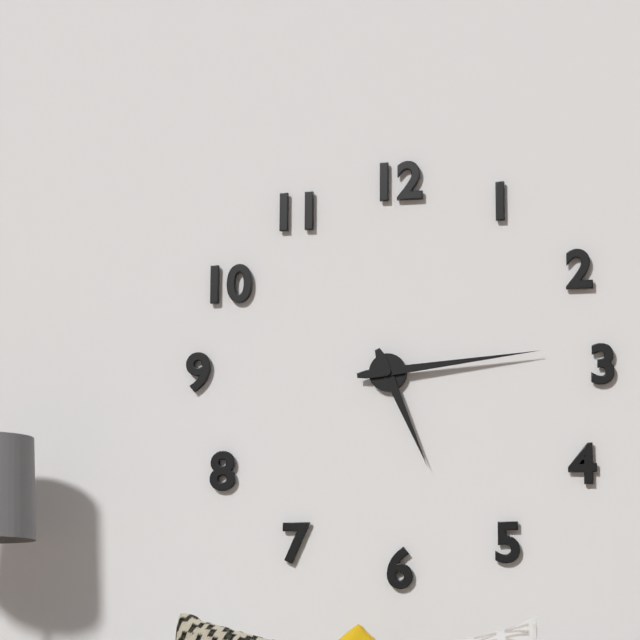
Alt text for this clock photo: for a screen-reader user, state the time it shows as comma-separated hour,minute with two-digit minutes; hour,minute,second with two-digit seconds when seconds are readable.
5,14
